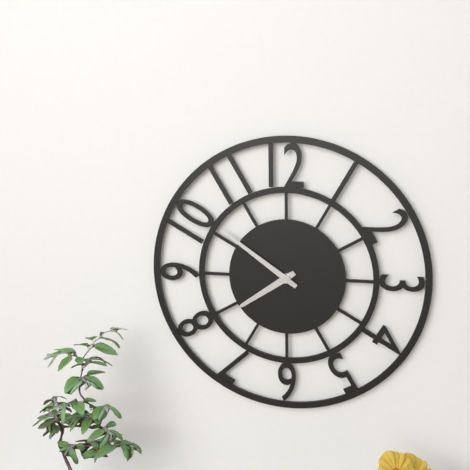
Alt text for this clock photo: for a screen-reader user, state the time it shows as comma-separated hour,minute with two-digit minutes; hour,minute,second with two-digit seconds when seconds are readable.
7,51
